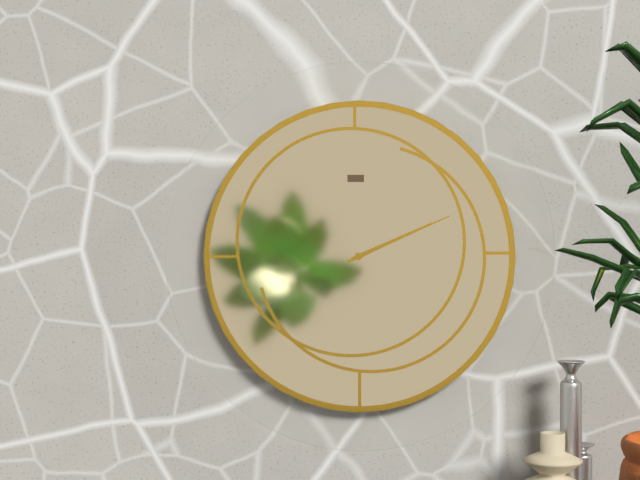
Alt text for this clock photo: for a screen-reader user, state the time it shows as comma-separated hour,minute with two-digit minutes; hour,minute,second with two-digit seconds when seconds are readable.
2,11
